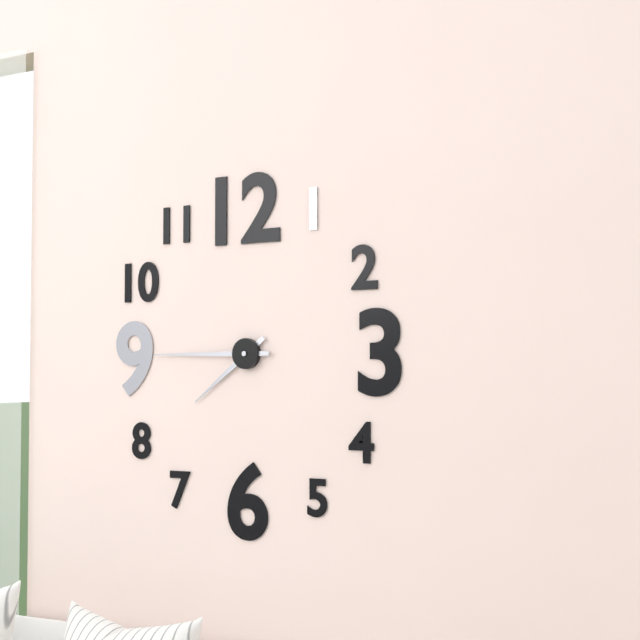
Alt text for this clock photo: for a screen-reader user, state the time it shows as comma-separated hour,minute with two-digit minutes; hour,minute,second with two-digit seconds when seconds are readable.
7,45
